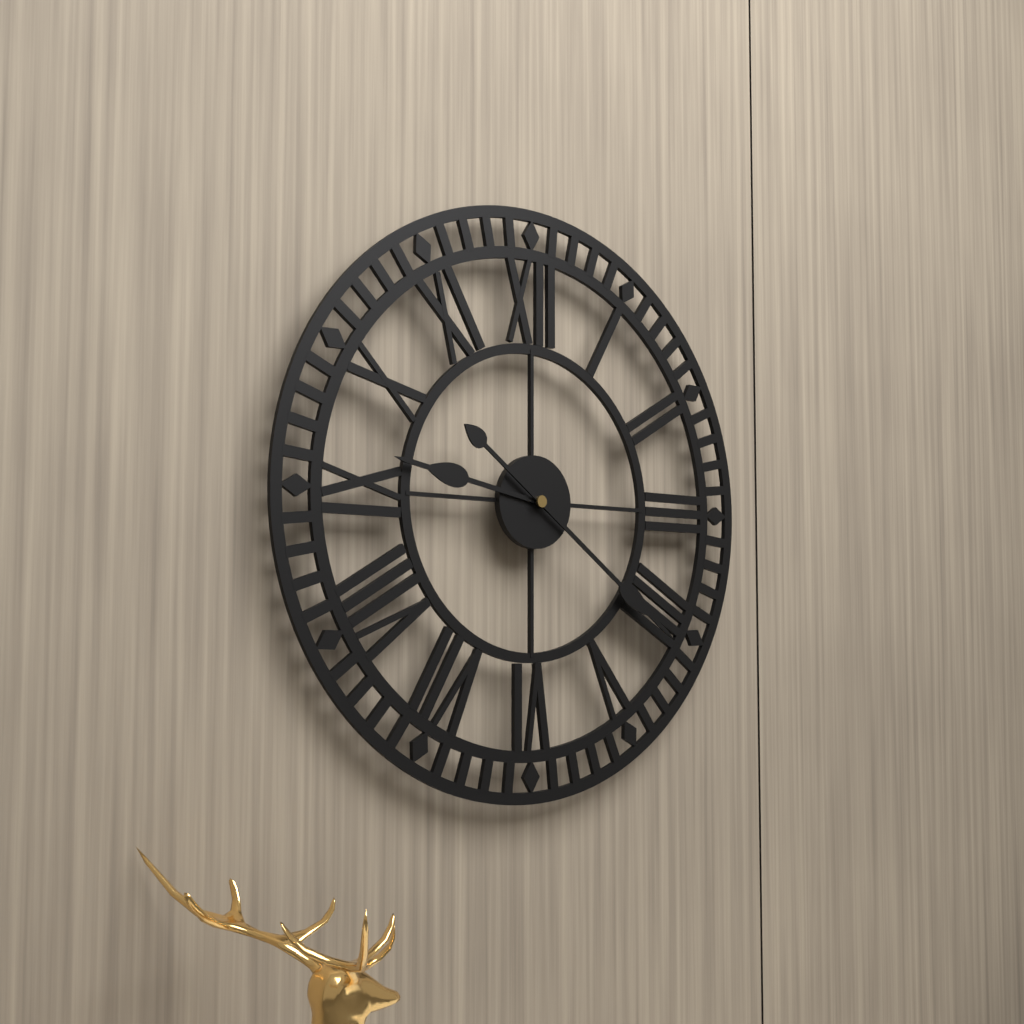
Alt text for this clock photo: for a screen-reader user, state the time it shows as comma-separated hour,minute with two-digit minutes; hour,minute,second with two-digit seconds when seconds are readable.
9,21
